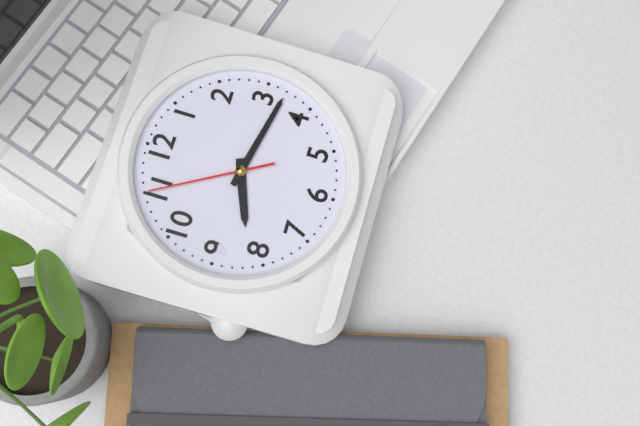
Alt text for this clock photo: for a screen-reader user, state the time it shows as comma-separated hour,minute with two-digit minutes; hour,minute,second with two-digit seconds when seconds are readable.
8,17,55
